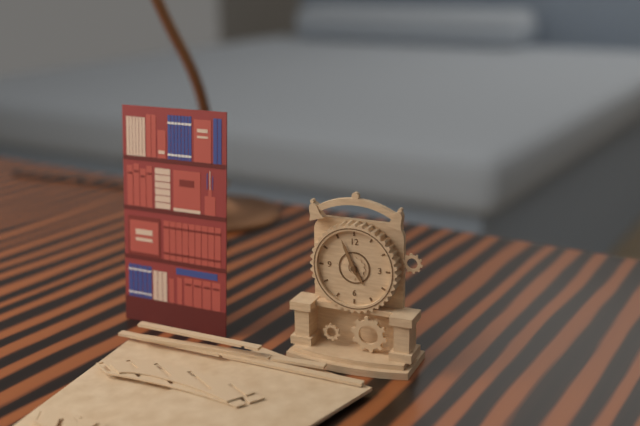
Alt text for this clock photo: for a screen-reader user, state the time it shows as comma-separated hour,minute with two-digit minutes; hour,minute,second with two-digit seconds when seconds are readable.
4,56
